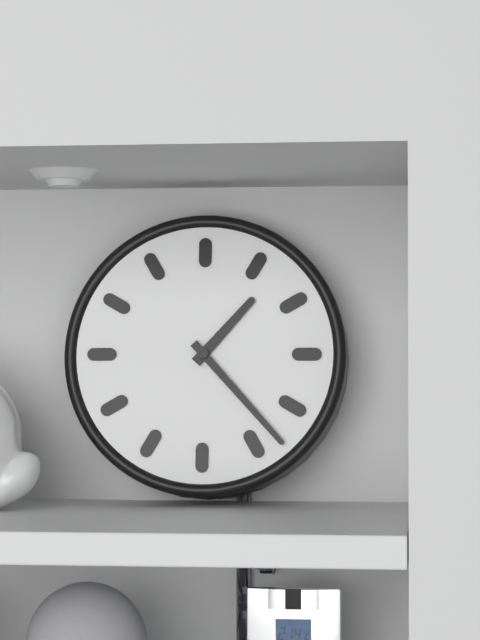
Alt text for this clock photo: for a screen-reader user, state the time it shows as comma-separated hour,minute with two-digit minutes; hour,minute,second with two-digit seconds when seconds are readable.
1,23
